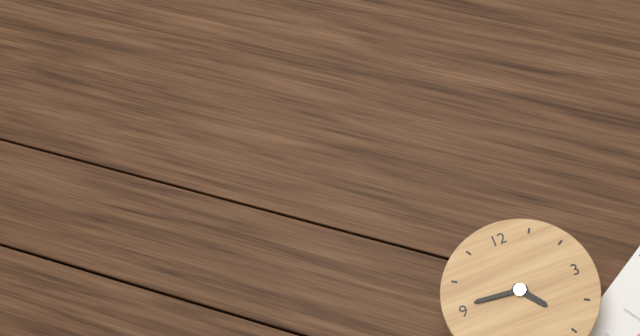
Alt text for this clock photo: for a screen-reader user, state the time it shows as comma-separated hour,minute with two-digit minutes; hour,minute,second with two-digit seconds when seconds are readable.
4,46
